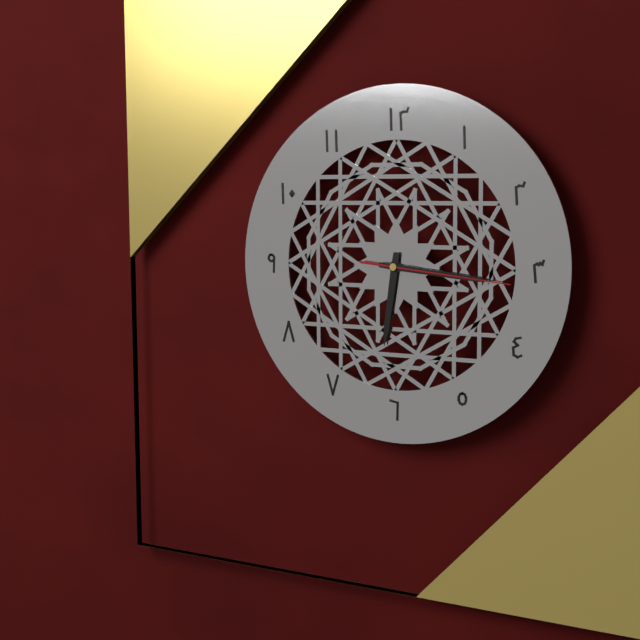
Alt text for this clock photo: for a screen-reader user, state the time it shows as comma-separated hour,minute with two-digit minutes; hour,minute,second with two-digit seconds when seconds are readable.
6,16,16
